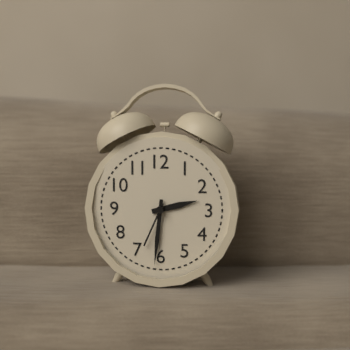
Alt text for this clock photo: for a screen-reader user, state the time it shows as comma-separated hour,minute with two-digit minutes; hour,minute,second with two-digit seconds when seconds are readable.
2,31,34
